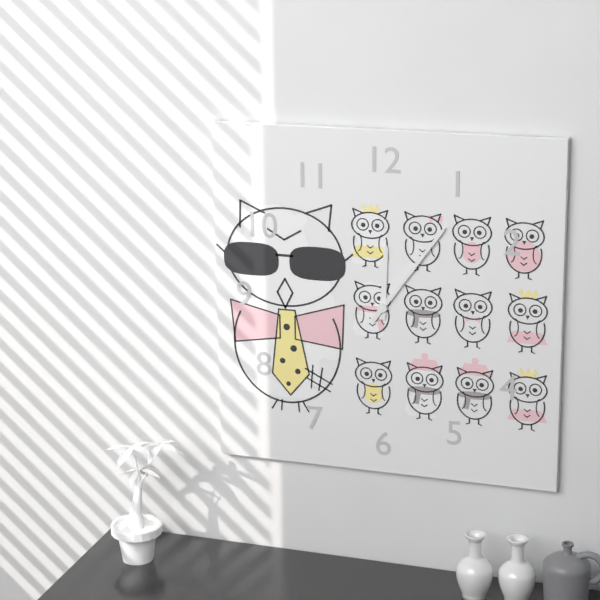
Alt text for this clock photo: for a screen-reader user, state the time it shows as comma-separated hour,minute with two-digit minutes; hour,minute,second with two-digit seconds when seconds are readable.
12,06
